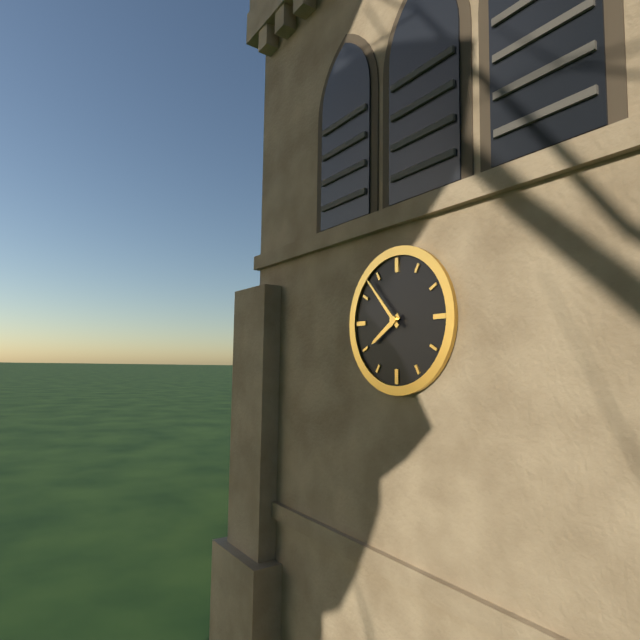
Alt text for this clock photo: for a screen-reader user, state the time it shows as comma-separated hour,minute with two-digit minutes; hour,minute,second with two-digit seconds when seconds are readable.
7,53
